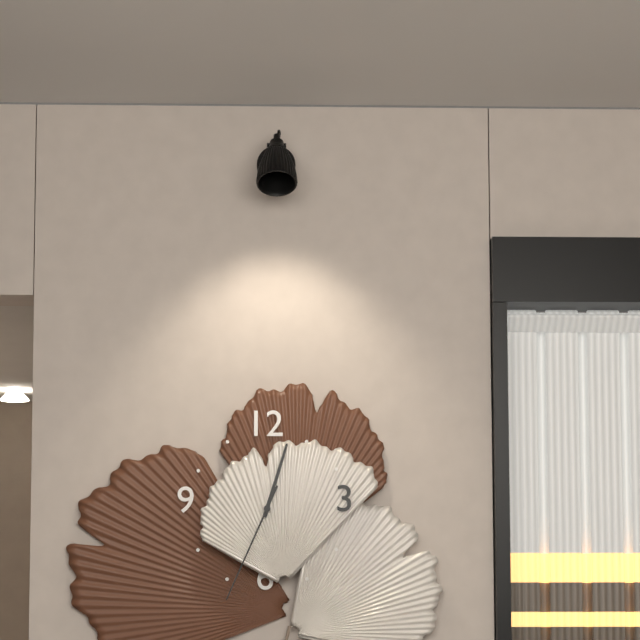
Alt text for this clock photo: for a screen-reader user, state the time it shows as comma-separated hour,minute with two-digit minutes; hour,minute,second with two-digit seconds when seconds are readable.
12,34
